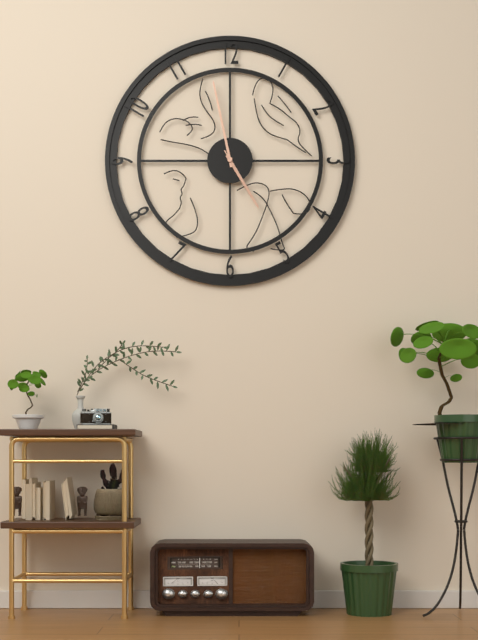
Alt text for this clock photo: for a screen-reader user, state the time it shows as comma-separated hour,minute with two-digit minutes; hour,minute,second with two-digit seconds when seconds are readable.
4,58
